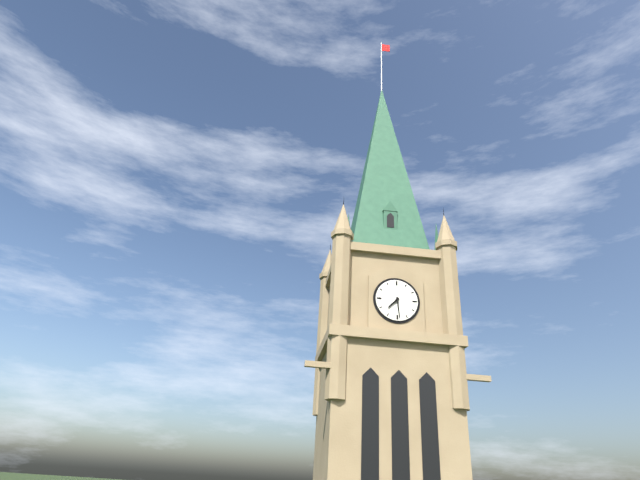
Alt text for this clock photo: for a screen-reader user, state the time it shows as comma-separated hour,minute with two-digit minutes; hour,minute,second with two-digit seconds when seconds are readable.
7,29
